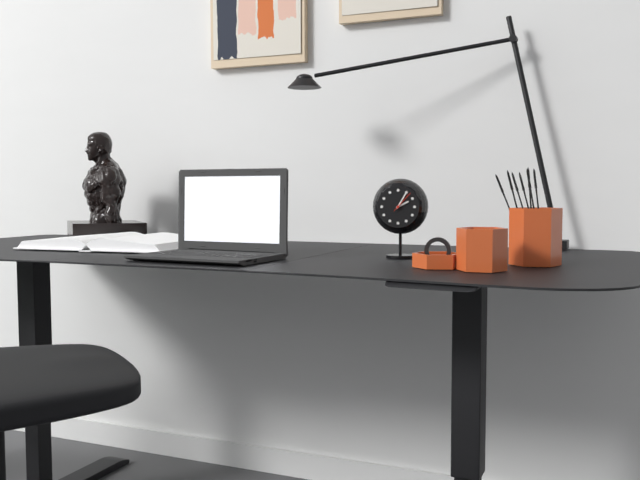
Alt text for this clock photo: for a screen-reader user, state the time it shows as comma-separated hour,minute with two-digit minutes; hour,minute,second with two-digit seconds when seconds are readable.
2,05
